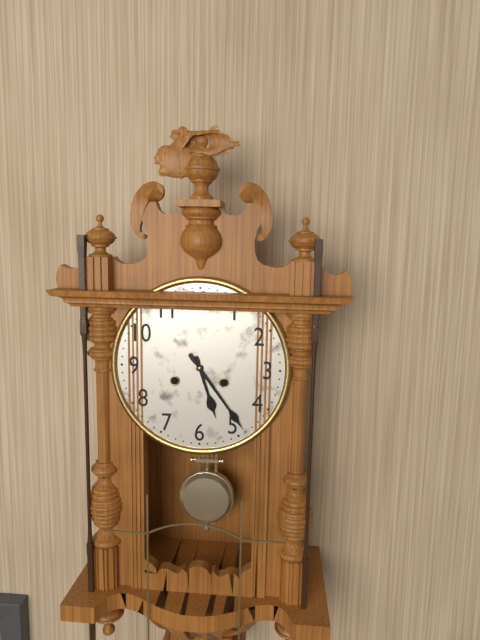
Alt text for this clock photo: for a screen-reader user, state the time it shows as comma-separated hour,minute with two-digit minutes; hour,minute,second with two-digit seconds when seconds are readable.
5,24
